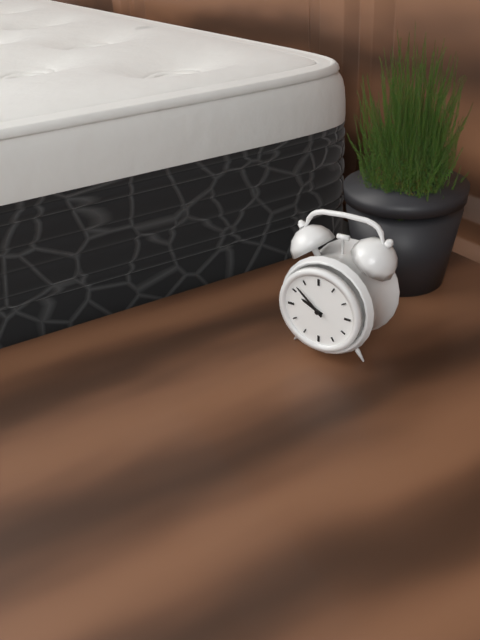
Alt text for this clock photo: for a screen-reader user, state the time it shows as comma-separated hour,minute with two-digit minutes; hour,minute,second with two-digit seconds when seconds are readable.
9,52
